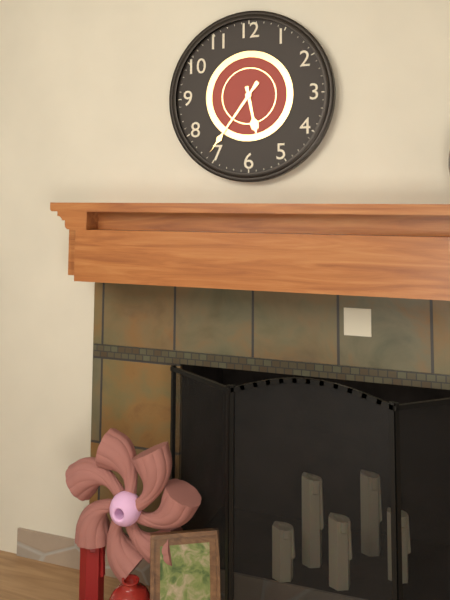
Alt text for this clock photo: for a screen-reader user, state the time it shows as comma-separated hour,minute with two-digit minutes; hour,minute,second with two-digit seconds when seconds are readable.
5,36
